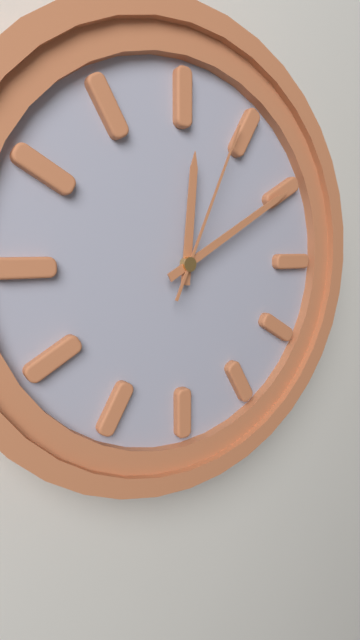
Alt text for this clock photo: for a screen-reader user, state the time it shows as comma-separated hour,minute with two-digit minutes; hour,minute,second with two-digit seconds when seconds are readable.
12,10,04
